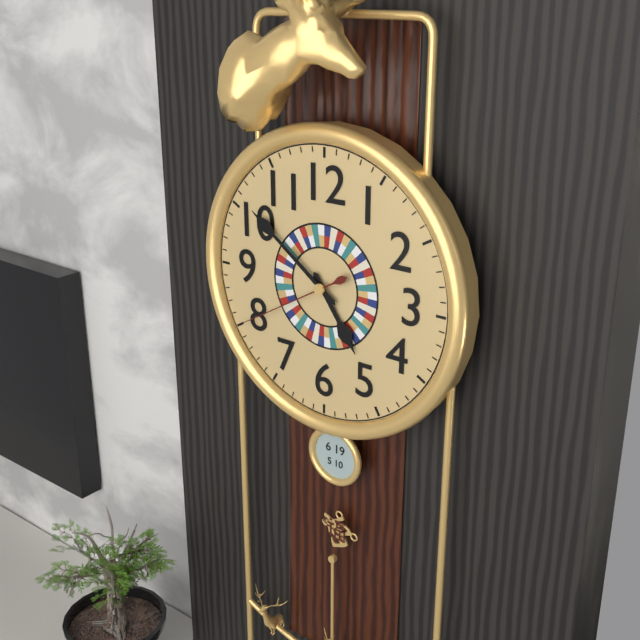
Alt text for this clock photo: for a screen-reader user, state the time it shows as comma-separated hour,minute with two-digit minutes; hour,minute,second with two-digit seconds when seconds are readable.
4,51,40
